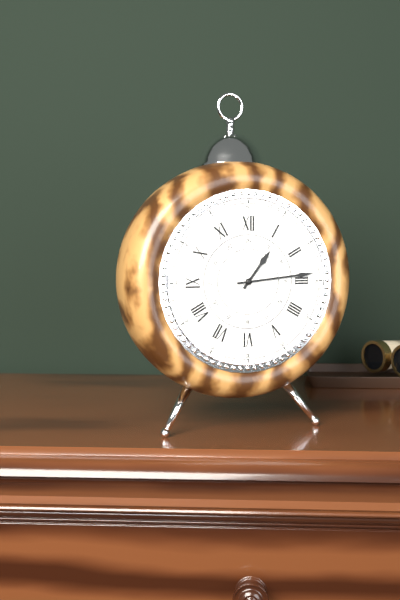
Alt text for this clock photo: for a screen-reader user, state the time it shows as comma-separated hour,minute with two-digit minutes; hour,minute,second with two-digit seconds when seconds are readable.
1,14
